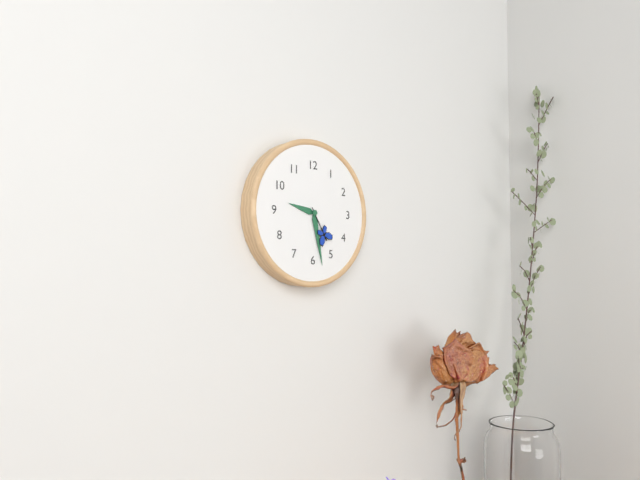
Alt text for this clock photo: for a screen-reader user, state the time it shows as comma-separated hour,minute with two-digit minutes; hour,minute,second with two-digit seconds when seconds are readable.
9,28
